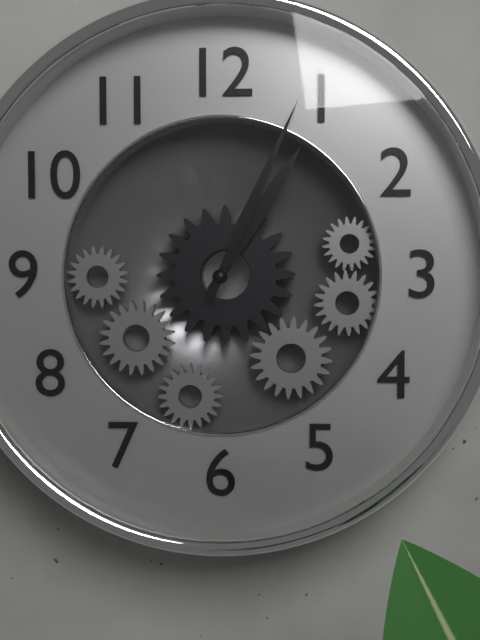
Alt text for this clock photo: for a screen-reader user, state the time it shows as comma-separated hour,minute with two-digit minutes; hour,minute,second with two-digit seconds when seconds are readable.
1,04
